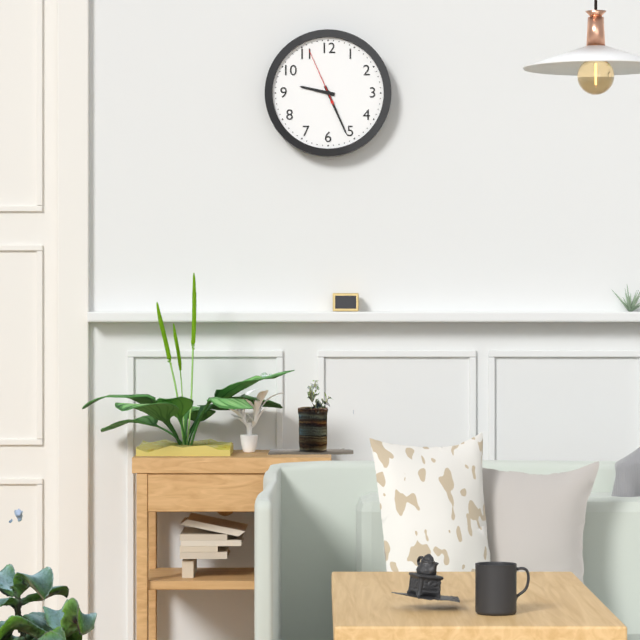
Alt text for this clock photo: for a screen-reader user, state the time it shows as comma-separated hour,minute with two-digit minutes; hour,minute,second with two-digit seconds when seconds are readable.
9,26,56
